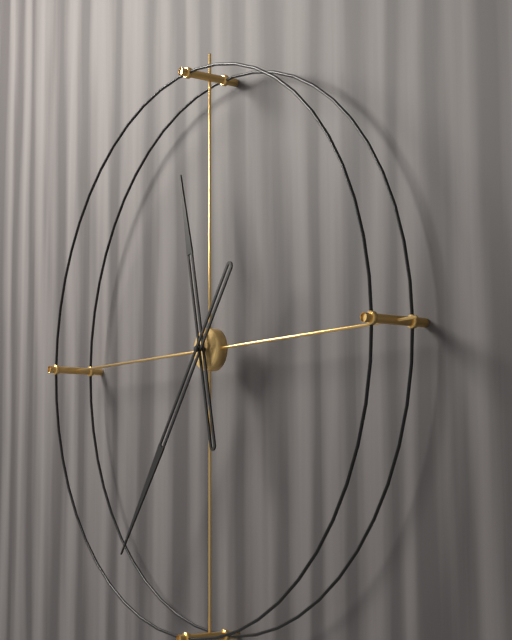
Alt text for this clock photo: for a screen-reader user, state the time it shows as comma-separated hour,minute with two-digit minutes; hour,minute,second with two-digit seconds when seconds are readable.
11,36
